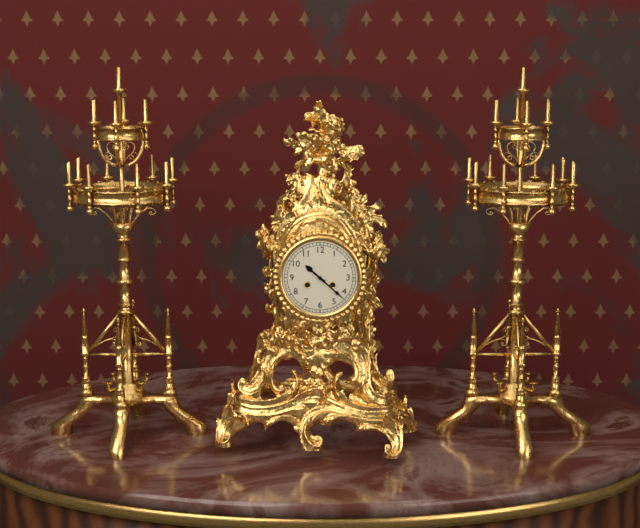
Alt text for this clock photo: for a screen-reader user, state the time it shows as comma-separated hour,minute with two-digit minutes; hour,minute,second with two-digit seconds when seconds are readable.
10,22
